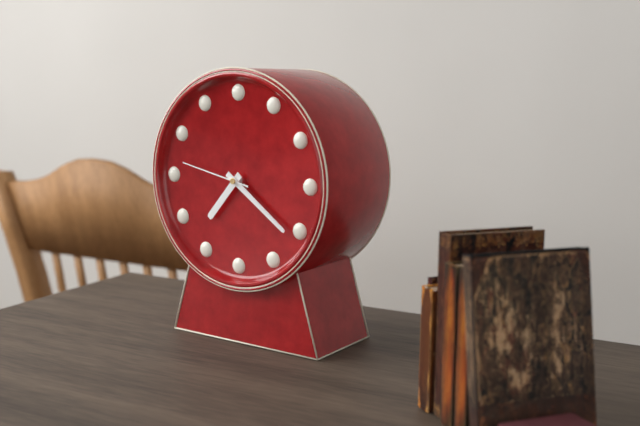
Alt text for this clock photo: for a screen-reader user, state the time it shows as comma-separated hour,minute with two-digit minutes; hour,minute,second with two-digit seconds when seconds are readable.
7,21,47
